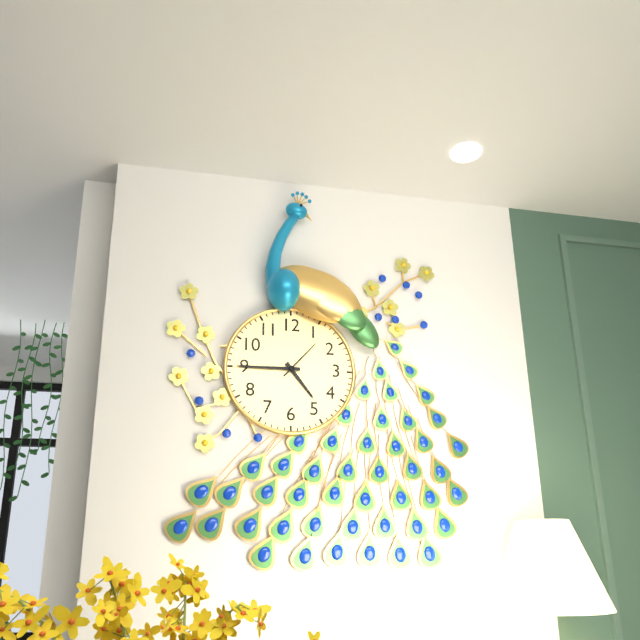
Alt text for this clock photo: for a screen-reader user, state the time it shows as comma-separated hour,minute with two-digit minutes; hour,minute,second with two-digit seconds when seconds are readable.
4,45
